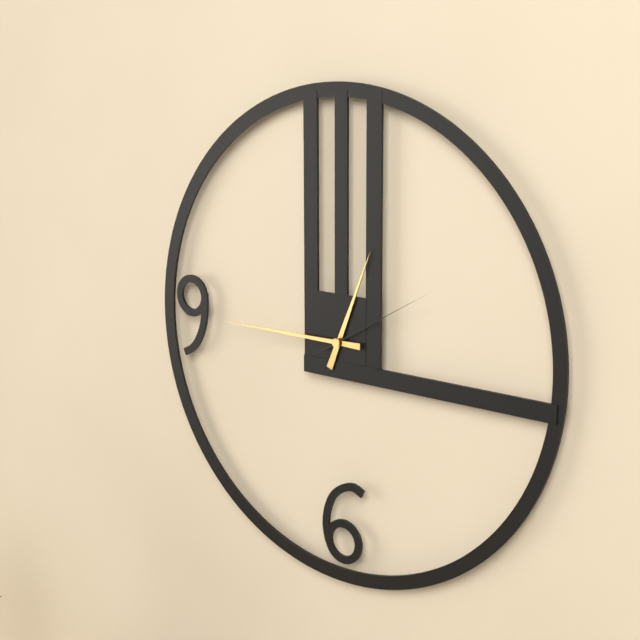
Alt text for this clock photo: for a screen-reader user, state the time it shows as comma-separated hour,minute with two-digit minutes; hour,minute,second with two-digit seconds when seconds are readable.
12,45,10
